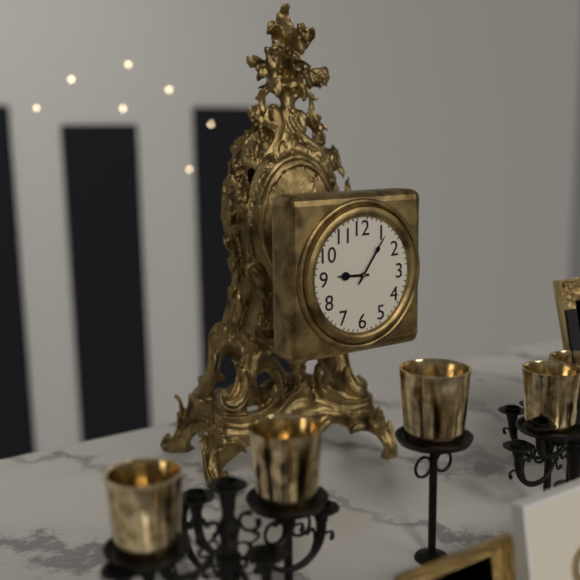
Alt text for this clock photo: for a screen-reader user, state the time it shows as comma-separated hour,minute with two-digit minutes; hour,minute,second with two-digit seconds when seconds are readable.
9,06
